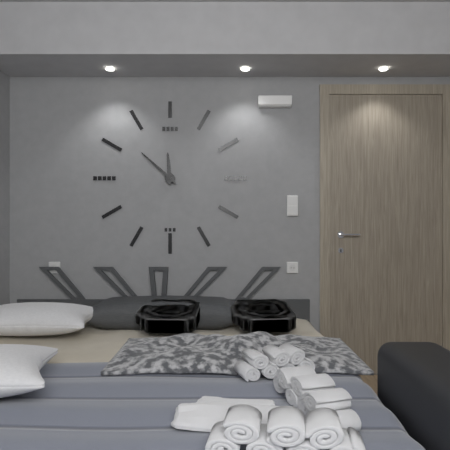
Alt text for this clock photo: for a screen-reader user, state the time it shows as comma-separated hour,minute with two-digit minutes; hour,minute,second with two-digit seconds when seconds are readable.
11,52
